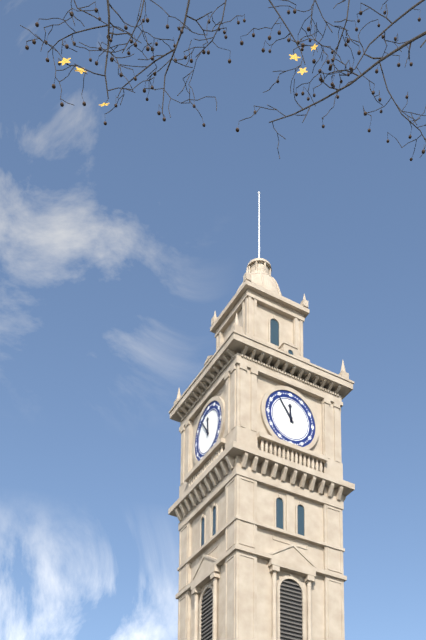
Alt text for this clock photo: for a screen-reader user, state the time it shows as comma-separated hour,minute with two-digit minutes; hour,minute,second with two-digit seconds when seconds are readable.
11,54
